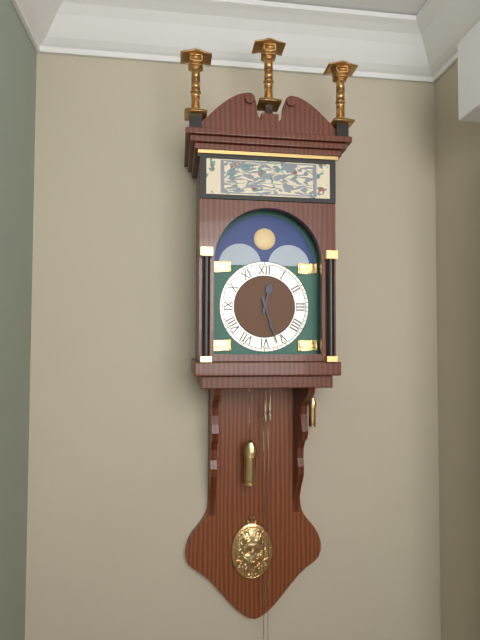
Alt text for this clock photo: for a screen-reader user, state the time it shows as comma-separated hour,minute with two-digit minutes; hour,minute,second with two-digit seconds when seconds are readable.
12,27
